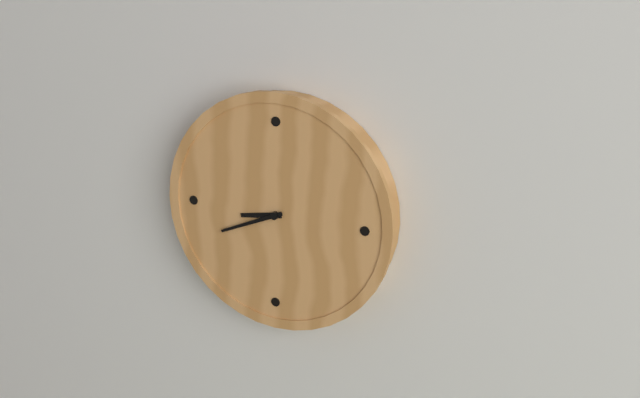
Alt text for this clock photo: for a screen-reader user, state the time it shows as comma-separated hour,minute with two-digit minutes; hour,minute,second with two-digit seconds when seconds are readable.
8,41
